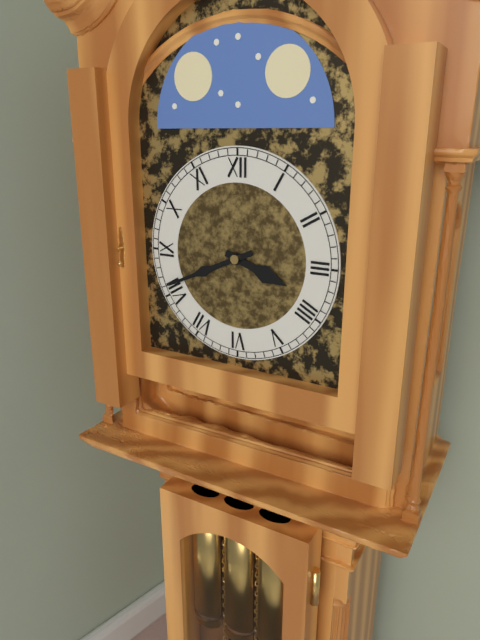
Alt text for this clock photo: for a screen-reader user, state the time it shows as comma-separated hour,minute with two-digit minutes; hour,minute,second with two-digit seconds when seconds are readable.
3,41
